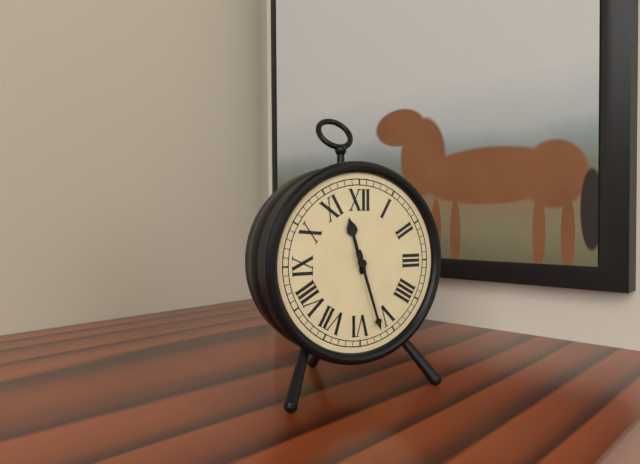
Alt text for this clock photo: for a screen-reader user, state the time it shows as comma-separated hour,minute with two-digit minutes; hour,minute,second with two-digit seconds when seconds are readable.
11,27
